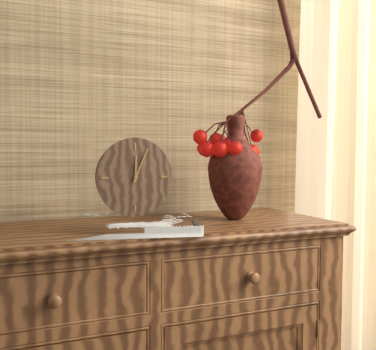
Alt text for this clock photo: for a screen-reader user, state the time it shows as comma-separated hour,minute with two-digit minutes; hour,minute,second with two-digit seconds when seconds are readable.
12,04
